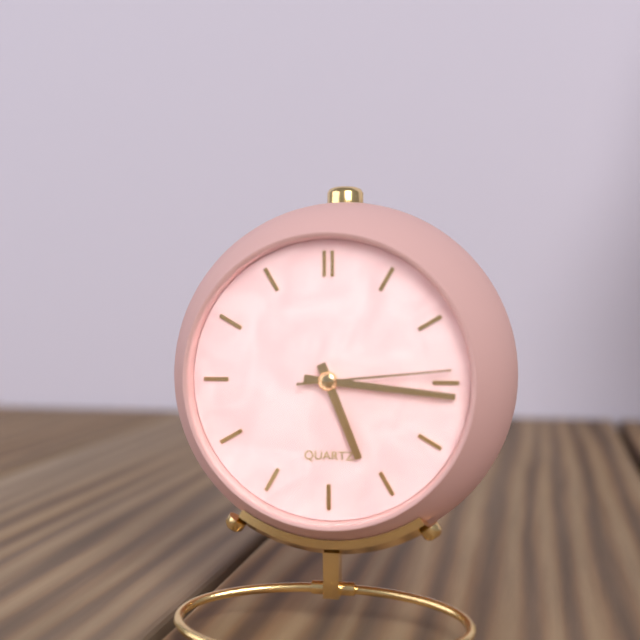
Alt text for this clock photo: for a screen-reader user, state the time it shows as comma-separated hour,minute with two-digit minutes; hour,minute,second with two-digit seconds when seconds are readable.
5,16,14
